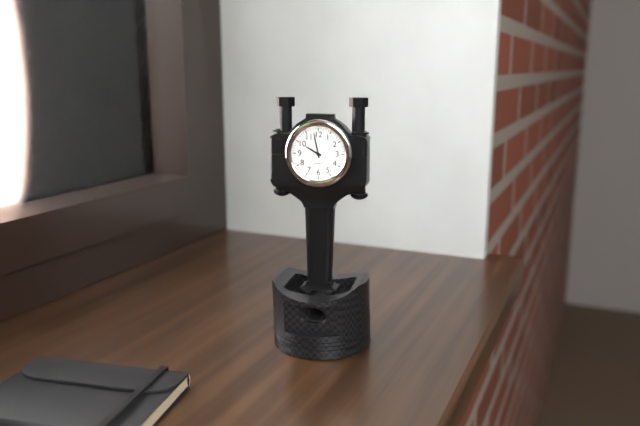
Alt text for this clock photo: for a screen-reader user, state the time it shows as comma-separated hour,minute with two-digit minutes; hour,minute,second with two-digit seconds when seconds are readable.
9,58
